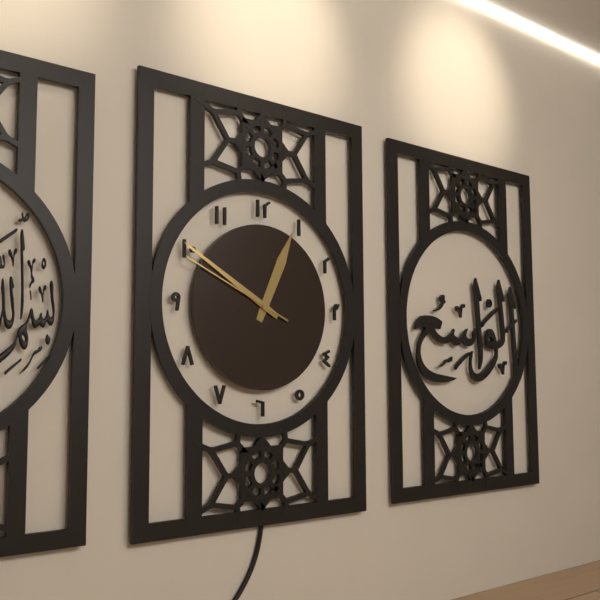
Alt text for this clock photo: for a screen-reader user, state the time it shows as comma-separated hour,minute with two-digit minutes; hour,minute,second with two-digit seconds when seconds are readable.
12,50,49
